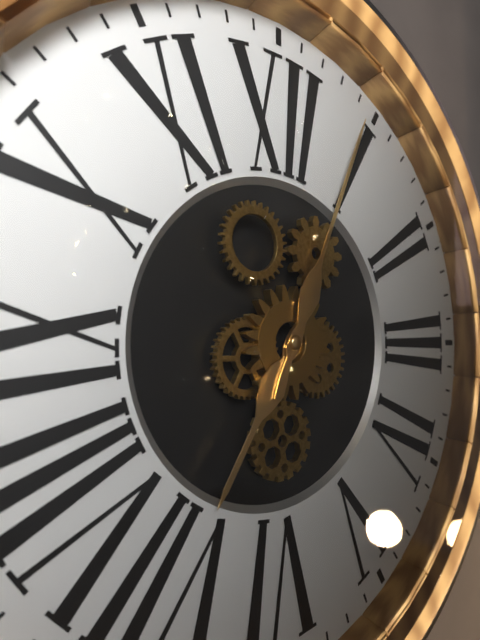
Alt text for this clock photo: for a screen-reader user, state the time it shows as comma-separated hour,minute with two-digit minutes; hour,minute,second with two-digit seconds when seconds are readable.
7,04
